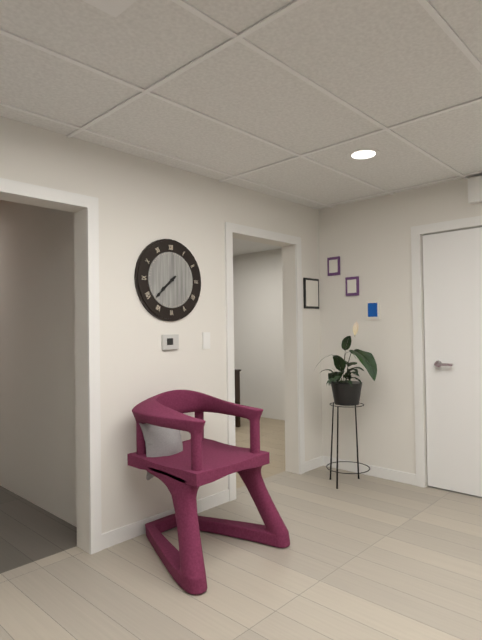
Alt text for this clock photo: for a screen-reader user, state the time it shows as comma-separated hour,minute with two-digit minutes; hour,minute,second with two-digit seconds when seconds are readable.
7,38
